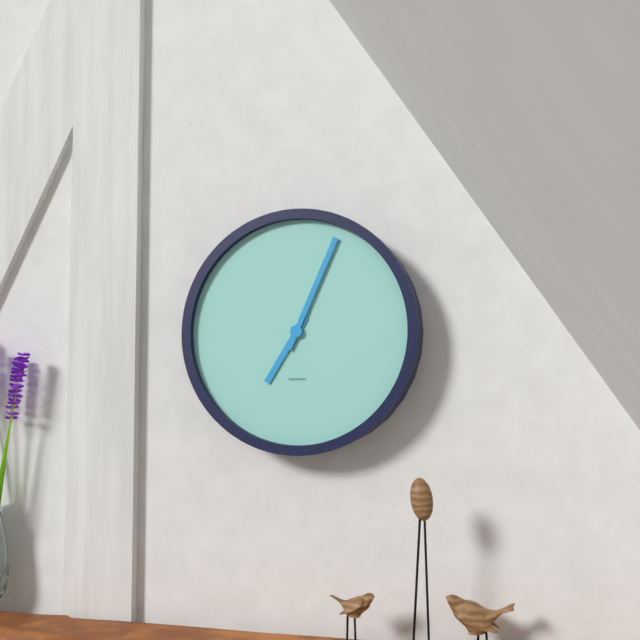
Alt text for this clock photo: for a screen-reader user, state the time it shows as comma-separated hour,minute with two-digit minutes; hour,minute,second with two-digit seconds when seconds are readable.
7,04
